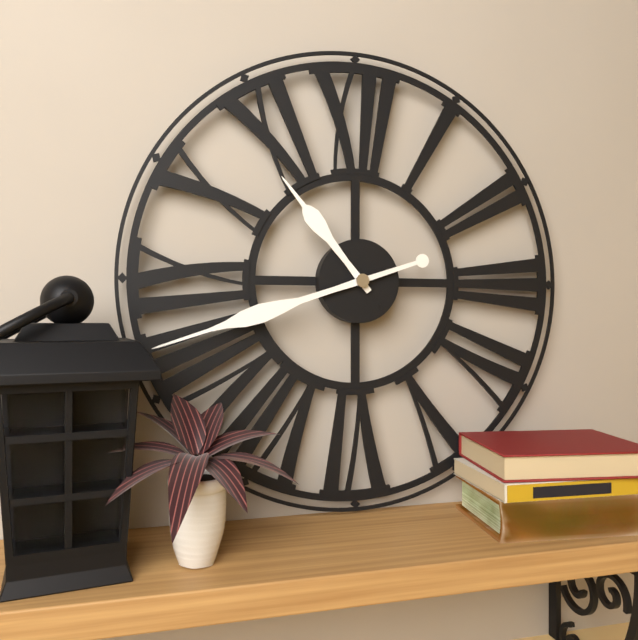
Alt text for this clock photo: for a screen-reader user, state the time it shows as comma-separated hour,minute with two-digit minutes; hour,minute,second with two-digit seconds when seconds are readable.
10,42
